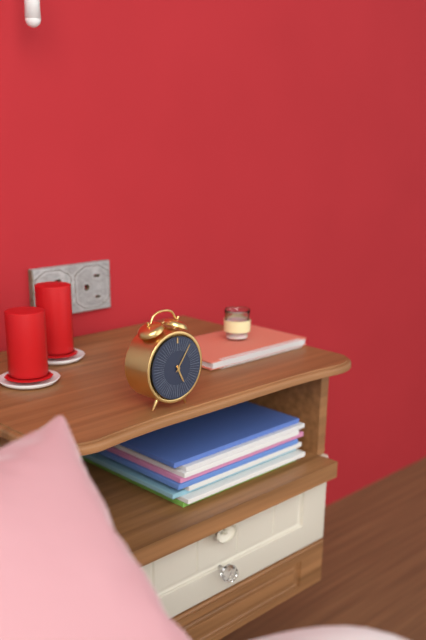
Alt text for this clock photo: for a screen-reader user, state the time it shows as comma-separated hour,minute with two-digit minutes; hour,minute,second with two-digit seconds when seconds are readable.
5,06
